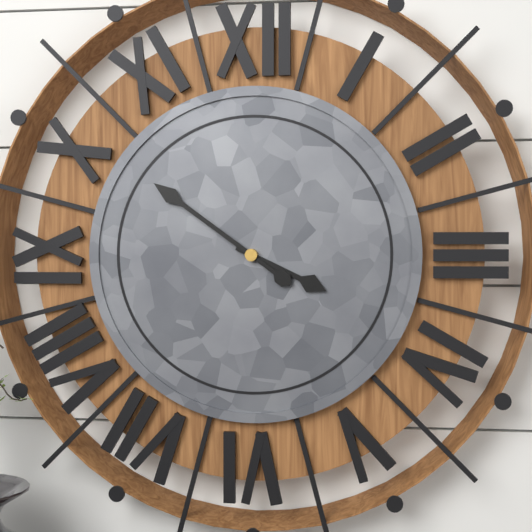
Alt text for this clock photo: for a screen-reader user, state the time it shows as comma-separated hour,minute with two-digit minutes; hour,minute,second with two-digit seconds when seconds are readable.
3,51
